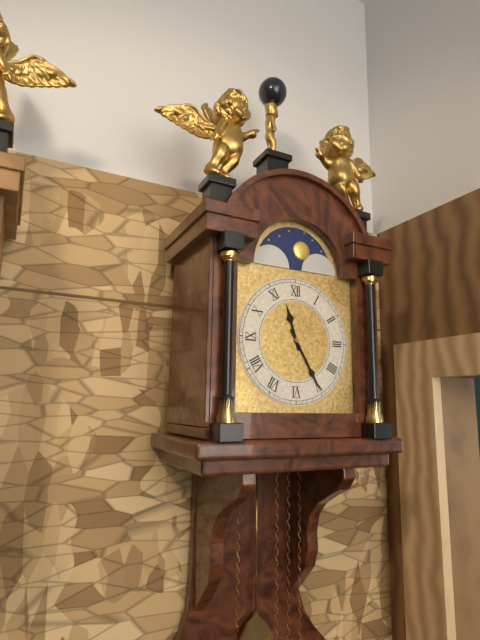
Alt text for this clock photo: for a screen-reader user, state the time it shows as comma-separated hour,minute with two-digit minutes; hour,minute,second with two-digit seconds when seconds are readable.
11,25
